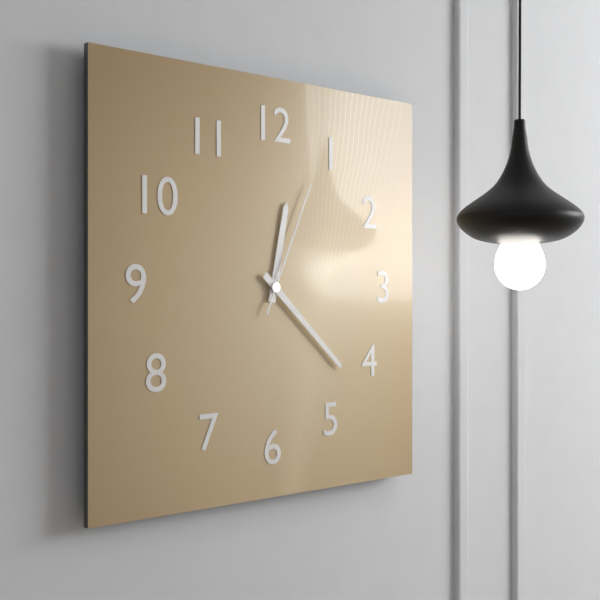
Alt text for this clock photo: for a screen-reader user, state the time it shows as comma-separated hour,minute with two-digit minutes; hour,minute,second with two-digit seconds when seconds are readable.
12,22,04
